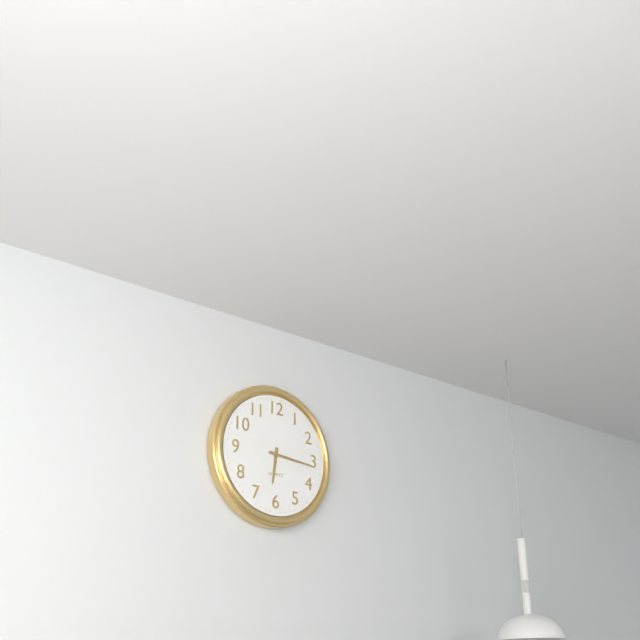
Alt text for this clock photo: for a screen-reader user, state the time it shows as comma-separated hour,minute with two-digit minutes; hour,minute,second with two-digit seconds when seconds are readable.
6,16
